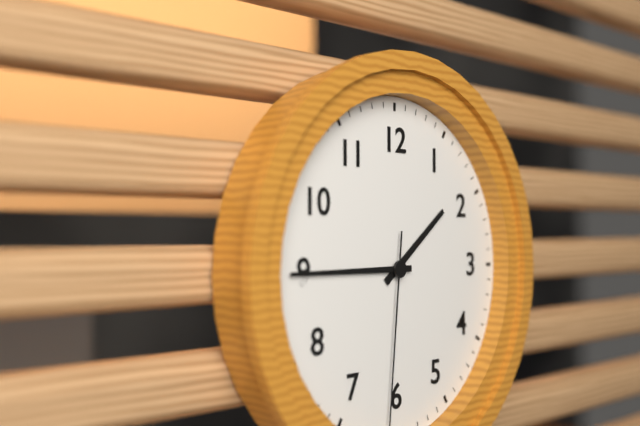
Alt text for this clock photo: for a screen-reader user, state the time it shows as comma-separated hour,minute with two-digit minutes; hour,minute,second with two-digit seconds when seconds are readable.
1,45
